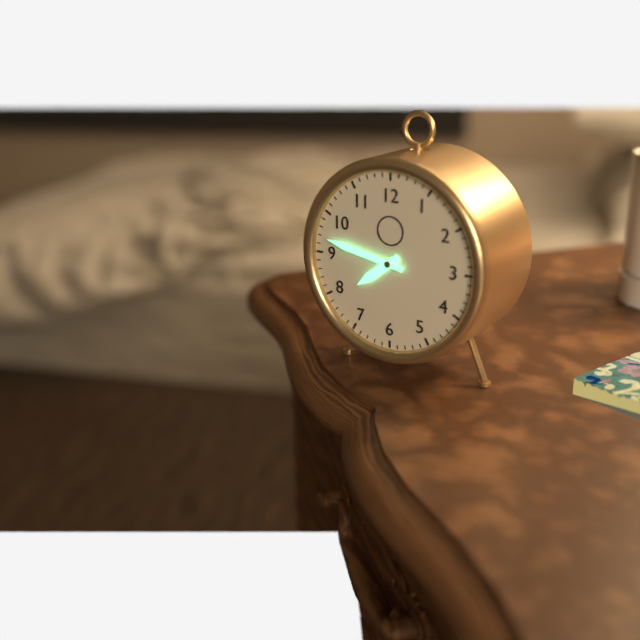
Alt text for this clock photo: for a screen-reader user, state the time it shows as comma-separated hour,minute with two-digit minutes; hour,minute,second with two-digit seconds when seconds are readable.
7,47
